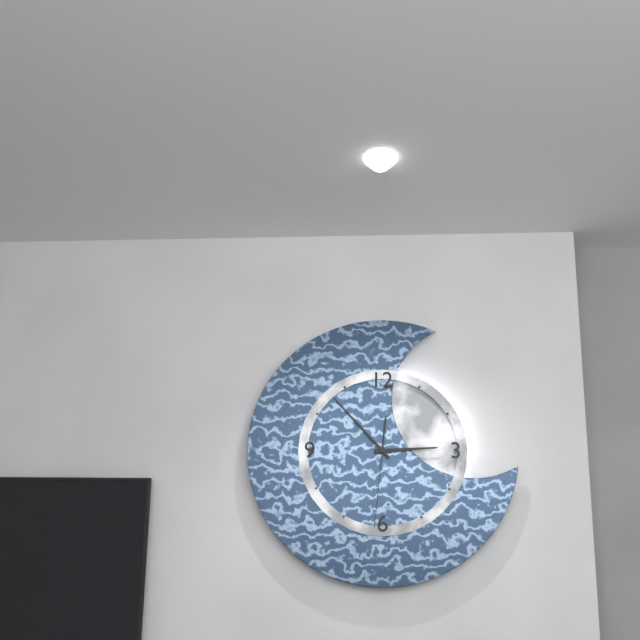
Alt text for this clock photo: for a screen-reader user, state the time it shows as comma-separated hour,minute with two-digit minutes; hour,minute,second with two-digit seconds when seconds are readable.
2,53,31
